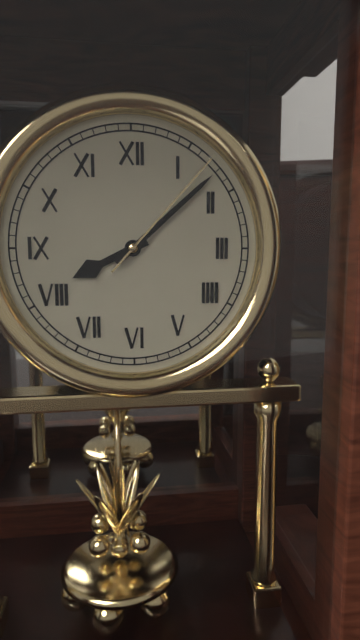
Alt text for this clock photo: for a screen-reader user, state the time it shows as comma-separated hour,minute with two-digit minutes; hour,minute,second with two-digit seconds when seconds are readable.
8,08,07
